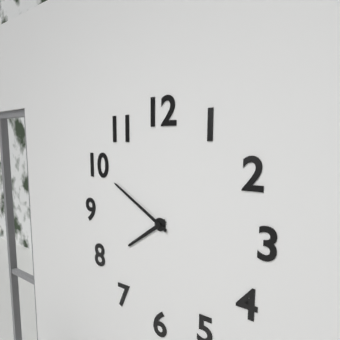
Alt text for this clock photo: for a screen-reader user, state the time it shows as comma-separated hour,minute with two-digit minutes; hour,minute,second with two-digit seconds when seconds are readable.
7,50
